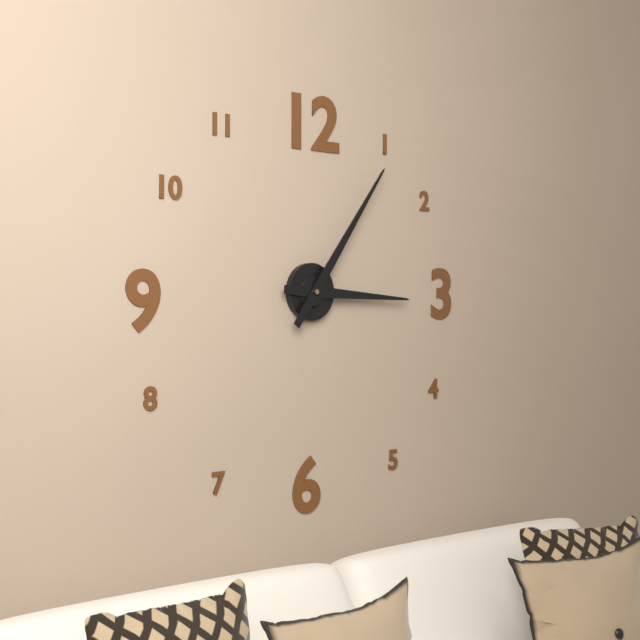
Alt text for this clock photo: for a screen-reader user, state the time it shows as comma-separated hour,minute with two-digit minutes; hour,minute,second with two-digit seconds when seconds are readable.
3,06
